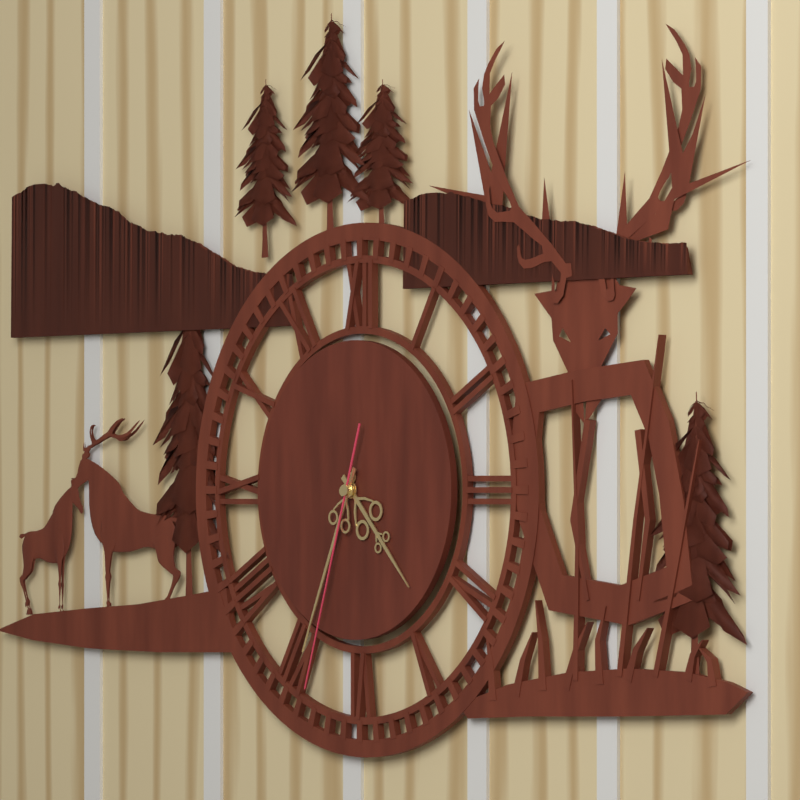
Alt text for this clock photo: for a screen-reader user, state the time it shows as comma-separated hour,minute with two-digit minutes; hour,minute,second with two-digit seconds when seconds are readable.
4,34,33
